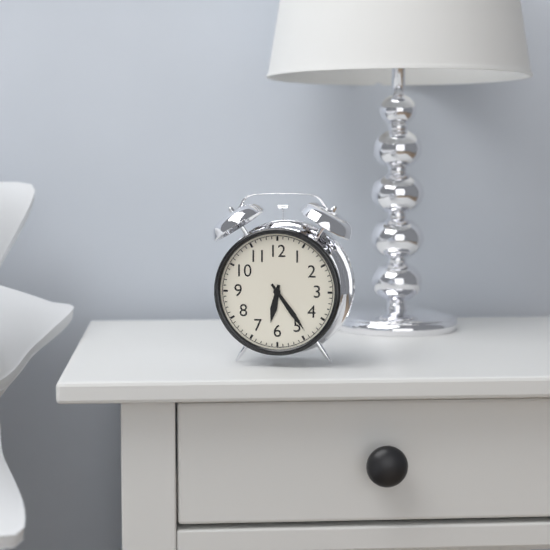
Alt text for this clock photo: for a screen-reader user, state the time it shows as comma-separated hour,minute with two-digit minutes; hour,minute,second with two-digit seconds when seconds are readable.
6,24
